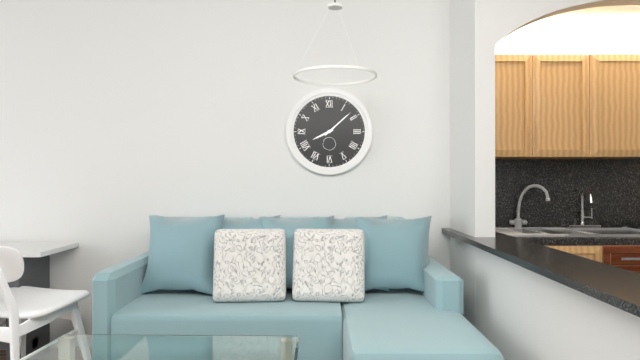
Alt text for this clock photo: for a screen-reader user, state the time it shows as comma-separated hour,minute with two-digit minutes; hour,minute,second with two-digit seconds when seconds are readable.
8,08
